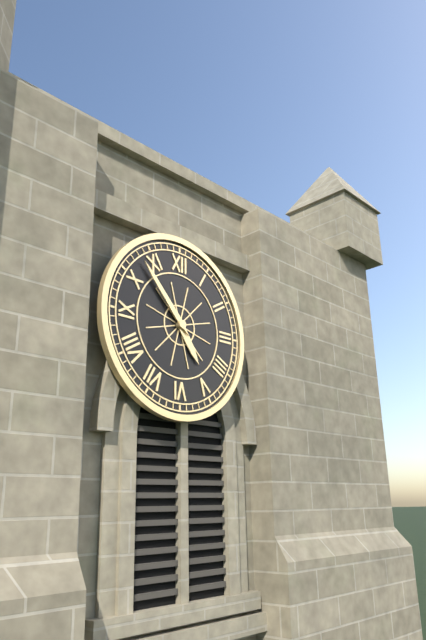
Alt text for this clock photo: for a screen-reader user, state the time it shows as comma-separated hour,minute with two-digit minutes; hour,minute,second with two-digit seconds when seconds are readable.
4,53
